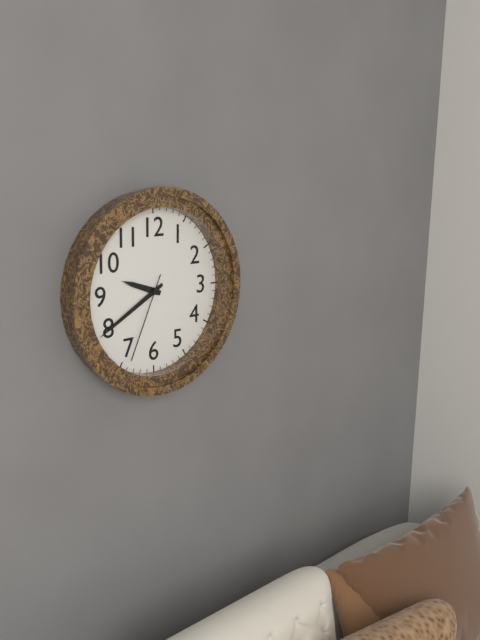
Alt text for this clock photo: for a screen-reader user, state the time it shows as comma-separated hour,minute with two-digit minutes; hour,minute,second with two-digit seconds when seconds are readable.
9,40,34
